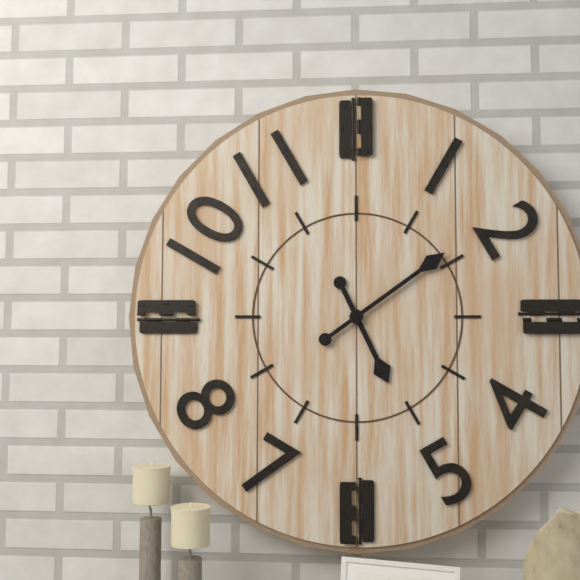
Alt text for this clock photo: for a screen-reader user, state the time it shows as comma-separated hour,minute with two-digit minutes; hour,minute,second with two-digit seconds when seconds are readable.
5,09
